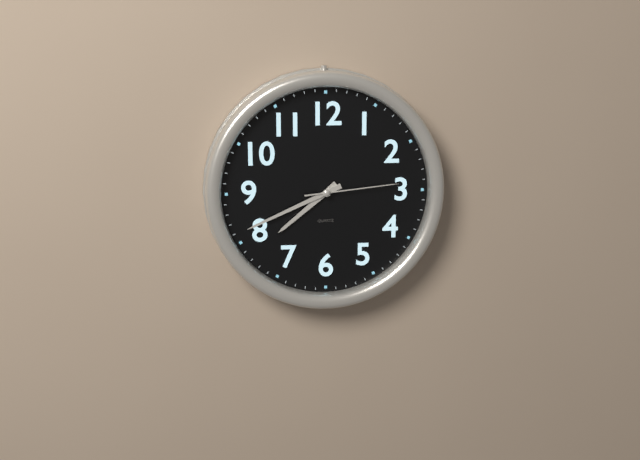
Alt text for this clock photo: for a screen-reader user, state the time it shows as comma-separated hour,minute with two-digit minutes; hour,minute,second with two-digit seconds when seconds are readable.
7,41,14
